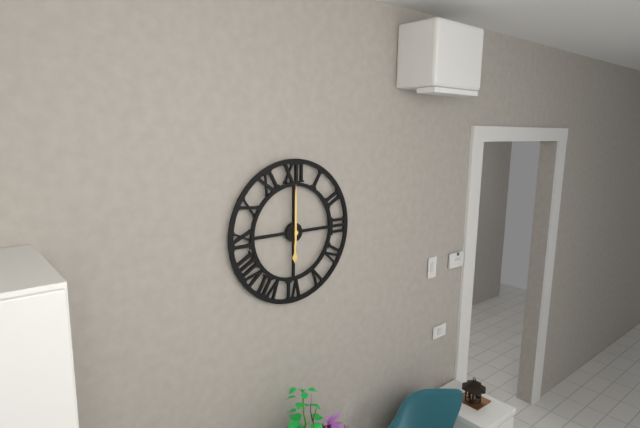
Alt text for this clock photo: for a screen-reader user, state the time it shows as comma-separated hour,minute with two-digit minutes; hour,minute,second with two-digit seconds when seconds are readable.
6,00
